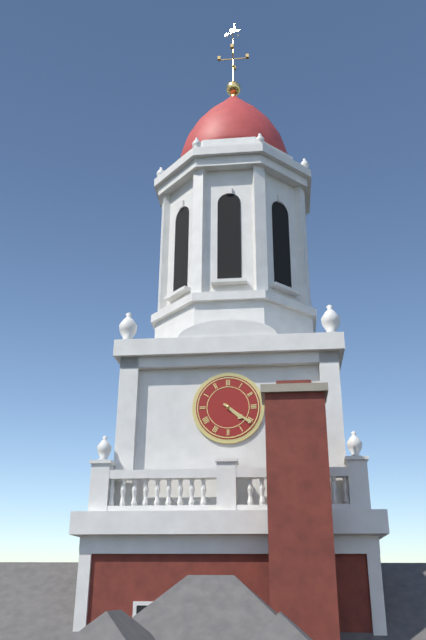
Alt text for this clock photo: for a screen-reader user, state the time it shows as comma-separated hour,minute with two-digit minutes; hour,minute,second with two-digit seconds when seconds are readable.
4,21
